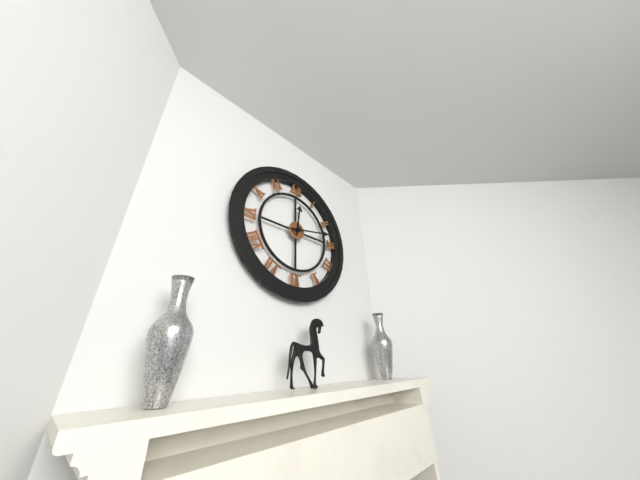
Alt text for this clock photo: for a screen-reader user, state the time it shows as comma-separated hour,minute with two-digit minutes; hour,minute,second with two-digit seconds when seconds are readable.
12,13
